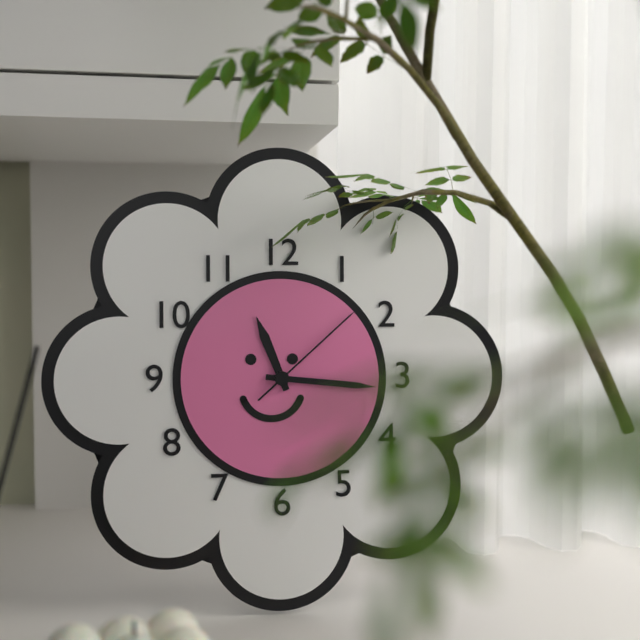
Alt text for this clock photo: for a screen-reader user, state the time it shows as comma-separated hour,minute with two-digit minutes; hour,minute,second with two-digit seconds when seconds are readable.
11,16,08
